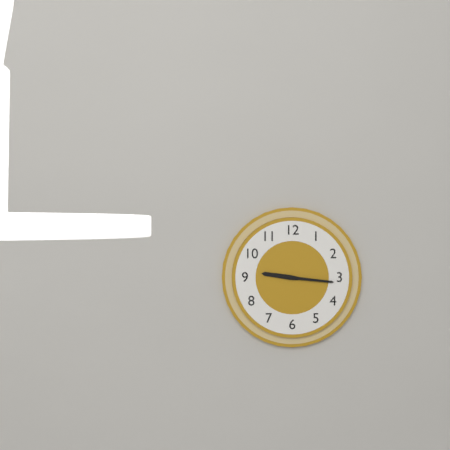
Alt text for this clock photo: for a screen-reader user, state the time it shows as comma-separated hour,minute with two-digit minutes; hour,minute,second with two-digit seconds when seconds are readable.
9,16
